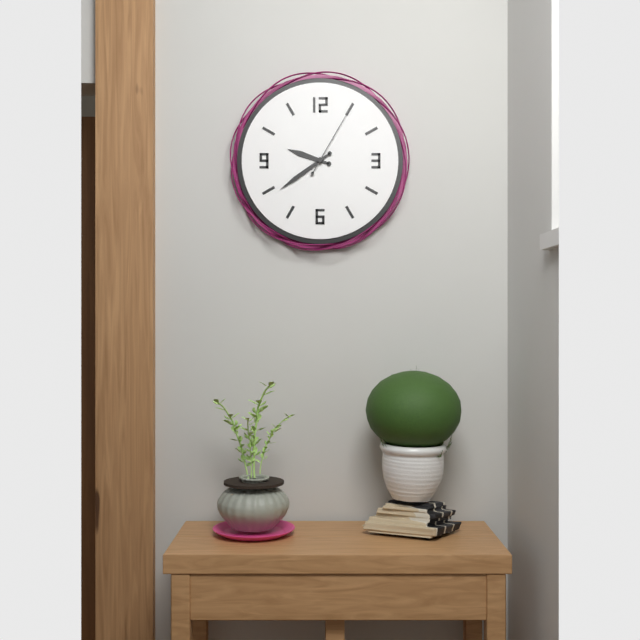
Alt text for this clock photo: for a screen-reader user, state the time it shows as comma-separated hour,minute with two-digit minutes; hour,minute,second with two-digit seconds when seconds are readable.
9,39,05
